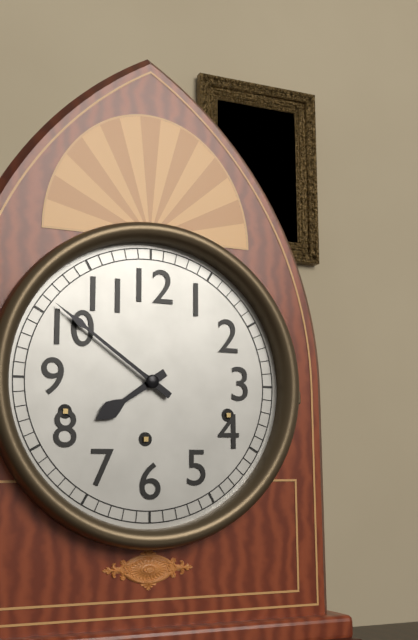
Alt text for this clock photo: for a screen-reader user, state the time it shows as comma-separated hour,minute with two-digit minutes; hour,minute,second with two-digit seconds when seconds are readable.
7,51
